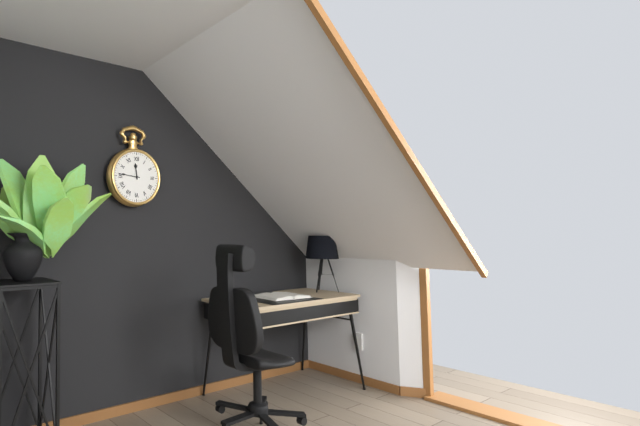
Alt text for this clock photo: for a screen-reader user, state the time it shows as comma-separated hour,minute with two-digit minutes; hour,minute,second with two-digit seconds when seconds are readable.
11,46
